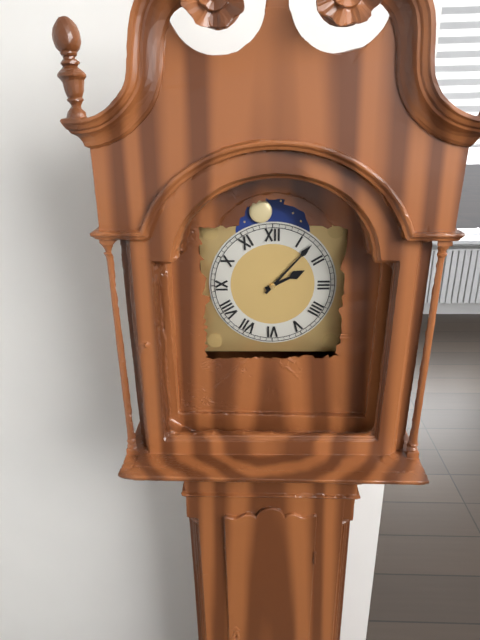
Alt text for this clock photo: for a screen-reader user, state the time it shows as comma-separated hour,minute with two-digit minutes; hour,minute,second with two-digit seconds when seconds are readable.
2,07
